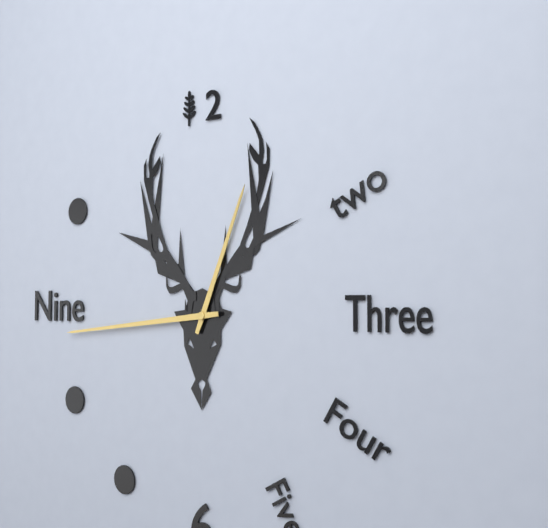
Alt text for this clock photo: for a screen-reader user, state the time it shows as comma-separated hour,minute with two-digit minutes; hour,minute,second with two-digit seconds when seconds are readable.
12,44
